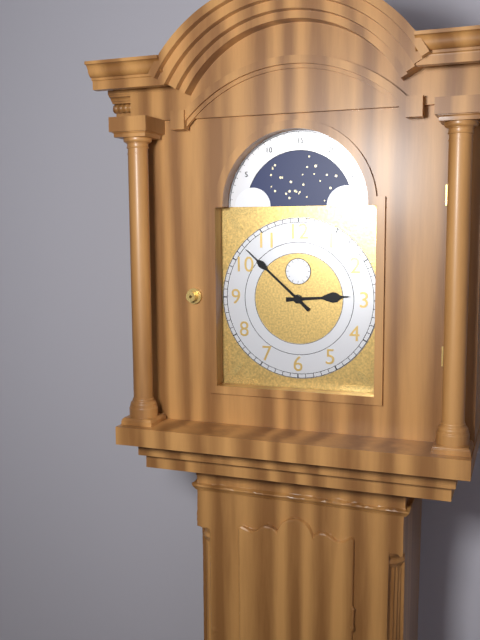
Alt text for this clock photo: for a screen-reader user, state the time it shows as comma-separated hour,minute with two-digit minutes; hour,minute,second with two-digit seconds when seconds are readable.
2,52
